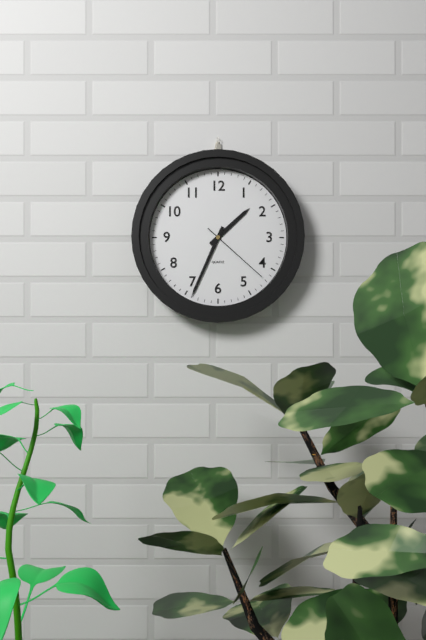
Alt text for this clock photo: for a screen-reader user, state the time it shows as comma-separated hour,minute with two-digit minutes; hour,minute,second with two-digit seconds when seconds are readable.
1,34,22
